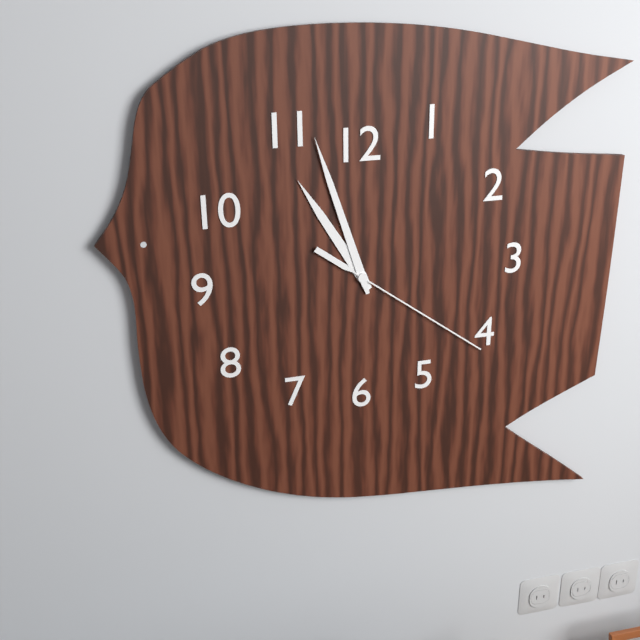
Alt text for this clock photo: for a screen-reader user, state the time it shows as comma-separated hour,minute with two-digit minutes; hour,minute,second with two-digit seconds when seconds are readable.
10,57,21
